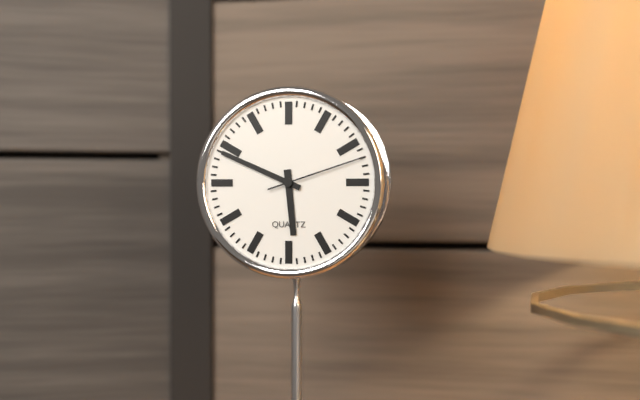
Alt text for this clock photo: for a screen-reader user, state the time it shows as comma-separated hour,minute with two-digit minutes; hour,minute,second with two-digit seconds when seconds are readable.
5,49,12
